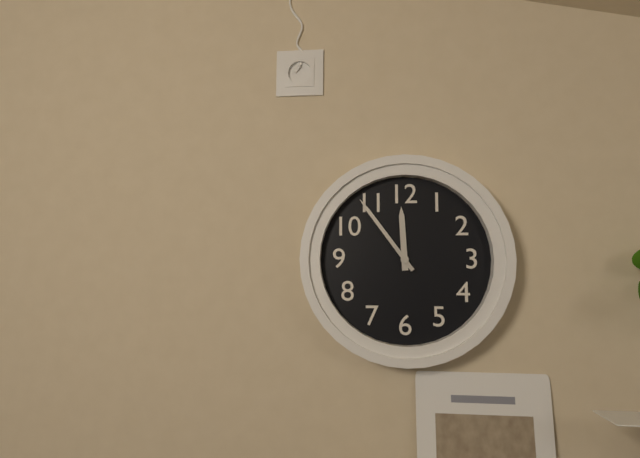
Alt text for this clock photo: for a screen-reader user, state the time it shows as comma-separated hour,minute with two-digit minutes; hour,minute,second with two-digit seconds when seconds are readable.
11,54
